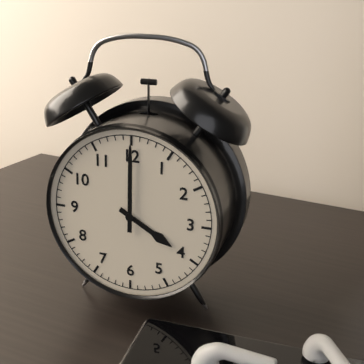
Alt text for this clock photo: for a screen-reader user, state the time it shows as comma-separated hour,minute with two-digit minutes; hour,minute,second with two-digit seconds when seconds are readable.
4,00
